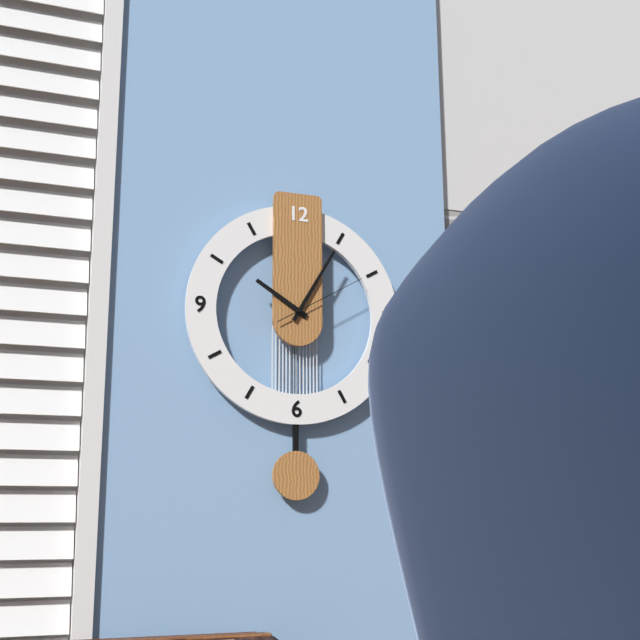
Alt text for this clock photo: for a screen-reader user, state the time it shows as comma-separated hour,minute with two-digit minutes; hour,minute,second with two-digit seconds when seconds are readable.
10,05,10
